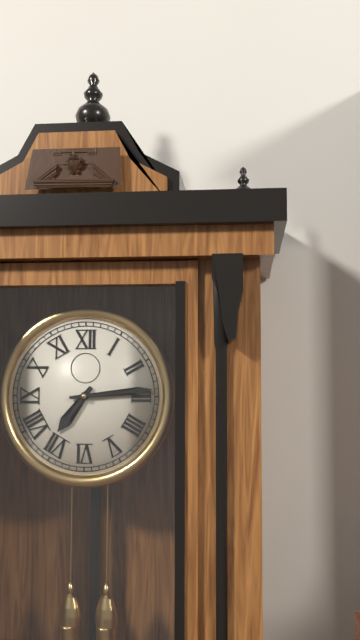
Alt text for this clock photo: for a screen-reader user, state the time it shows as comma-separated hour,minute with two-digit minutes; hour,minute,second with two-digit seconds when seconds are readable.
7,14
